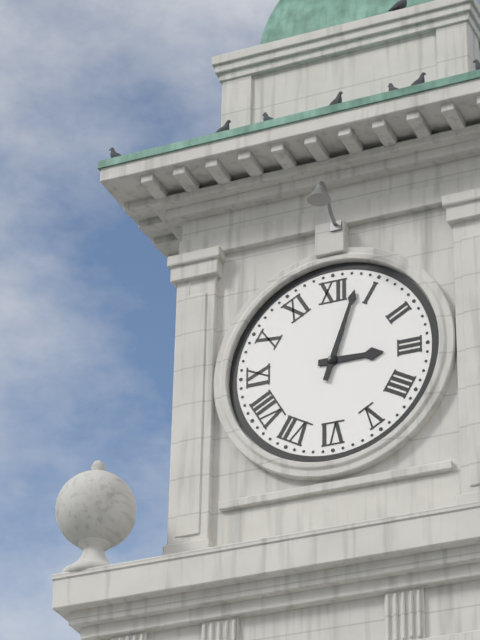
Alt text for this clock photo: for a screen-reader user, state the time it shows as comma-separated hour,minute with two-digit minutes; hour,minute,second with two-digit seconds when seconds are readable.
3,03
